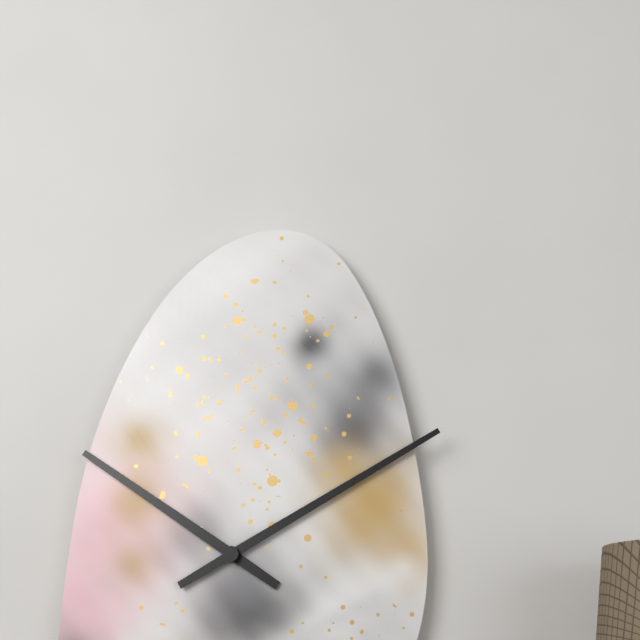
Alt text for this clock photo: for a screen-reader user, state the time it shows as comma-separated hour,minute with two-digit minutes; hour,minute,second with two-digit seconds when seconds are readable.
10,10
